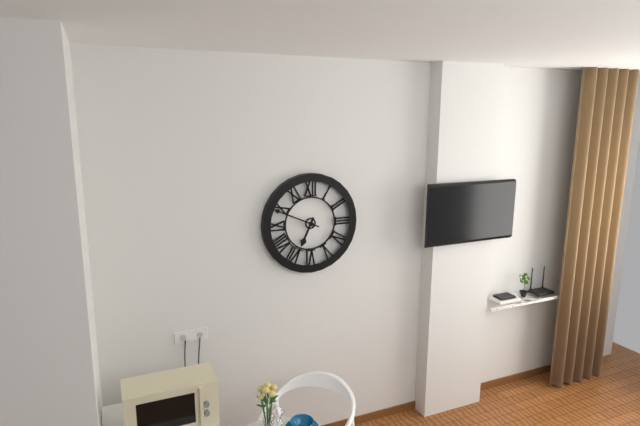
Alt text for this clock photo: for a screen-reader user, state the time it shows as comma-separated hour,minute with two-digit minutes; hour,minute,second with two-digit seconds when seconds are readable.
6,49
